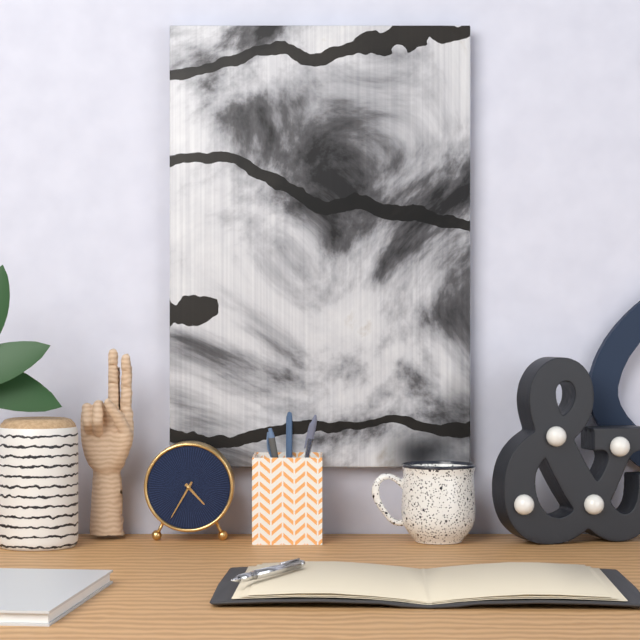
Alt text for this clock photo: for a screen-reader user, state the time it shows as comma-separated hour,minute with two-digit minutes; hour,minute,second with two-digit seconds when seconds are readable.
4,35
